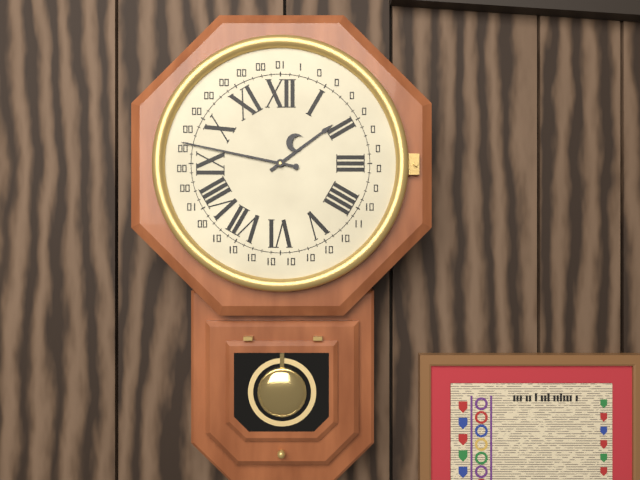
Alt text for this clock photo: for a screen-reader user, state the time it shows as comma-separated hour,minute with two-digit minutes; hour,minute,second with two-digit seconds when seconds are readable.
1,47
